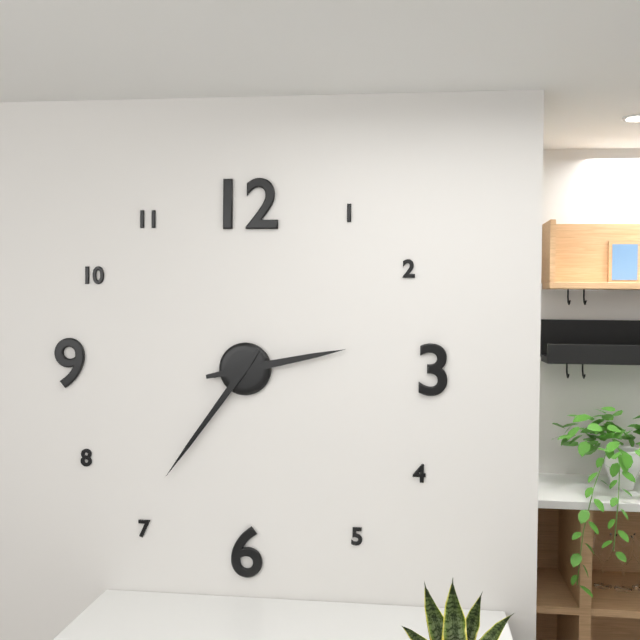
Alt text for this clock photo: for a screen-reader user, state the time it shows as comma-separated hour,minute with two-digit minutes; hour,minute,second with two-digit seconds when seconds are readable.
2,36
